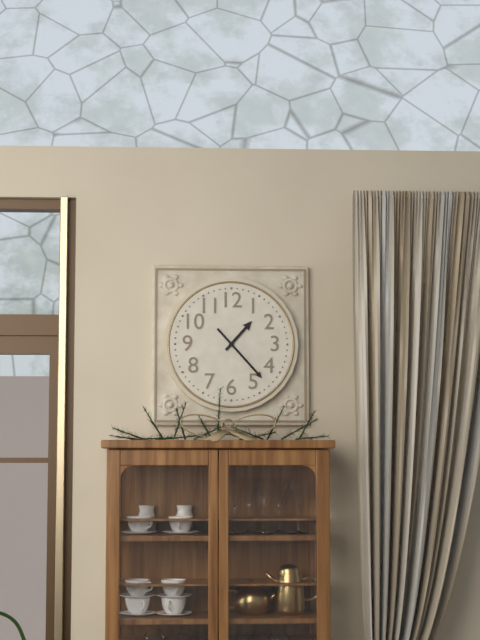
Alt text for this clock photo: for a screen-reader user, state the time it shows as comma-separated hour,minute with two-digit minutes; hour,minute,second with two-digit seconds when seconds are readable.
1,23
